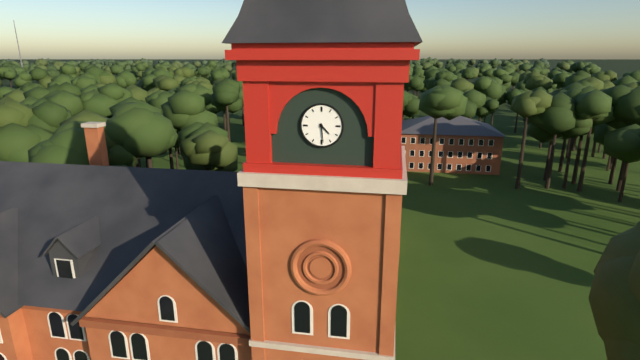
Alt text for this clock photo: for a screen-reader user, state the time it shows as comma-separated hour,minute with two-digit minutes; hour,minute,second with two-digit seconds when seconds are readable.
4,29
